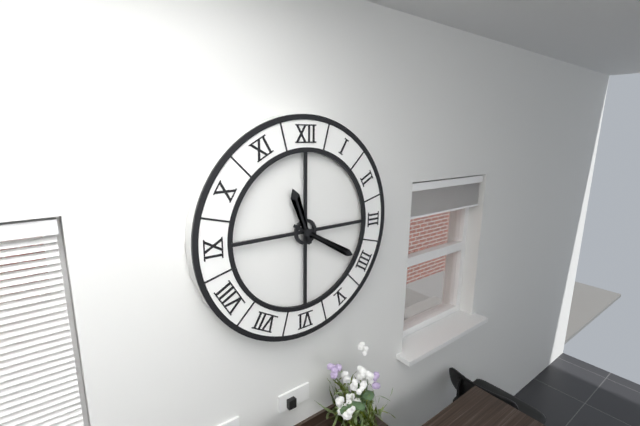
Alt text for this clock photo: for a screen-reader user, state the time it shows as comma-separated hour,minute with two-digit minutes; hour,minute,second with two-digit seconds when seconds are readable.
11,20
